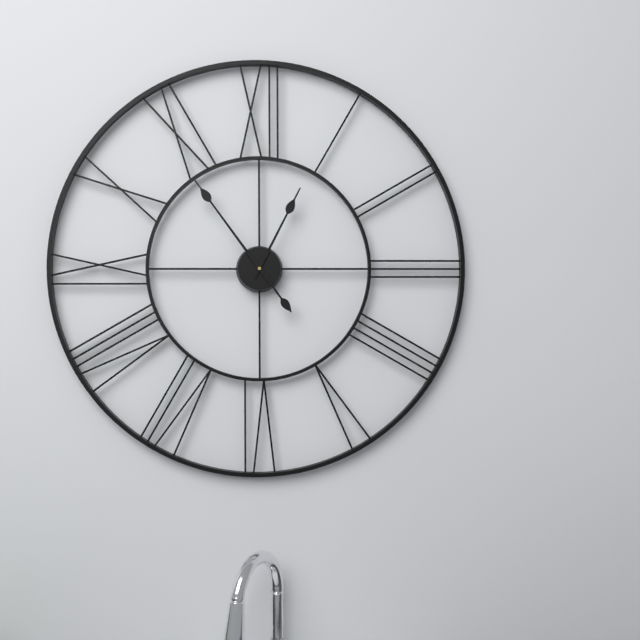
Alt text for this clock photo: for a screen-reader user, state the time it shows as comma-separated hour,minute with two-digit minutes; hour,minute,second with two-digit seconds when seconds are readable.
12,54
